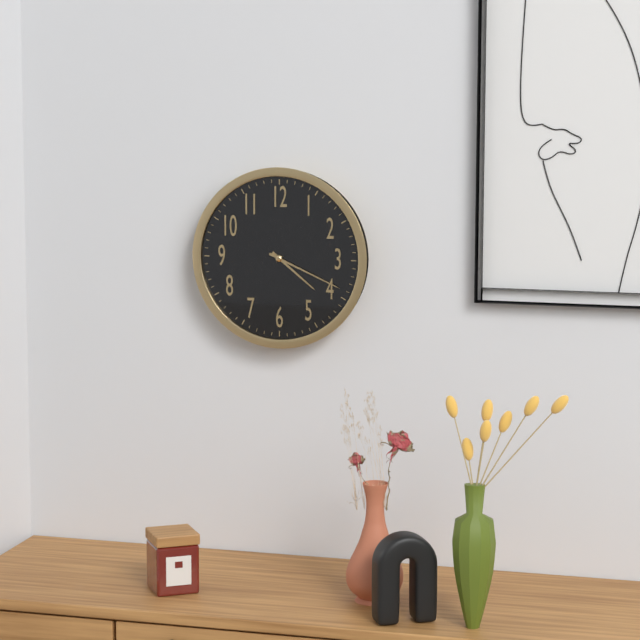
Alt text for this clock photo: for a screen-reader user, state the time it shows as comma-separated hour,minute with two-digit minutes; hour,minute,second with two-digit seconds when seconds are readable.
4,19
